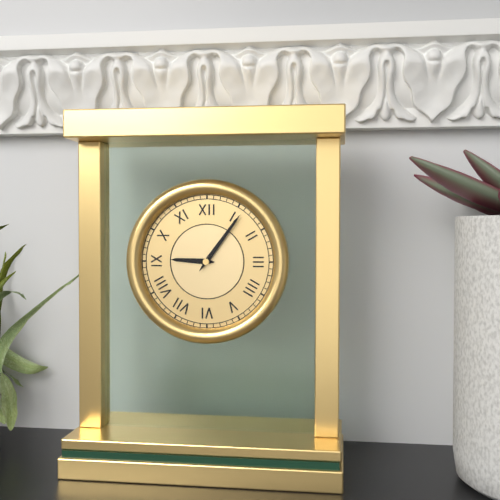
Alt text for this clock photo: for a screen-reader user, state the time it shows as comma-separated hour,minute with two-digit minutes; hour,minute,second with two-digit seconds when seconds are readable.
9,06
